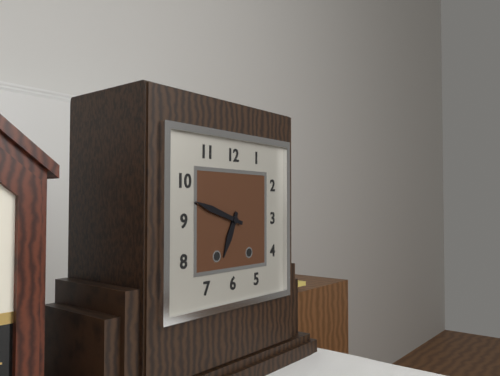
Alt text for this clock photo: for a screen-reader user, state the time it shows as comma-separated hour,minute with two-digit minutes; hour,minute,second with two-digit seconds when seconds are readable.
6,48
